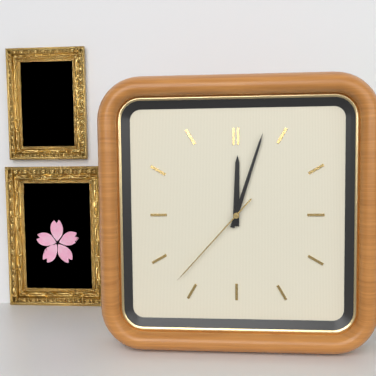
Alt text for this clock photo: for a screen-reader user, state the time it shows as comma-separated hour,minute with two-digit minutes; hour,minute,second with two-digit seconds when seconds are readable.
12,03,37
